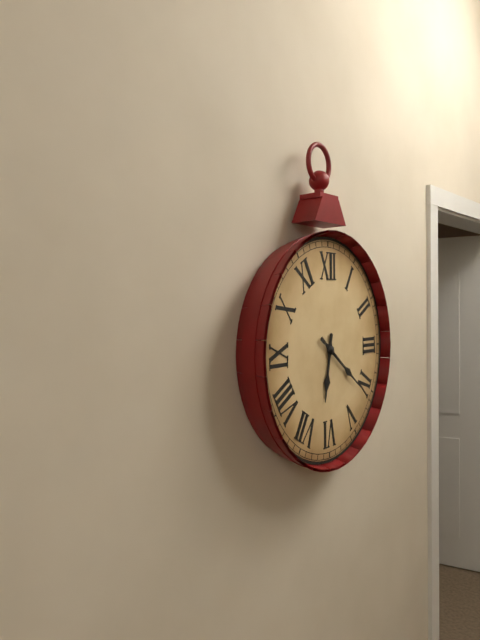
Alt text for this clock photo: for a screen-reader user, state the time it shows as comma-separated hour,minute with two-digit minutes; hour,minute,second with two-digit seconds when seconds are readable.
6,21
